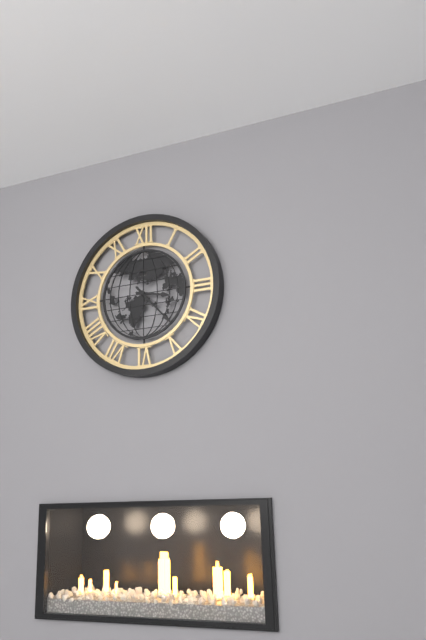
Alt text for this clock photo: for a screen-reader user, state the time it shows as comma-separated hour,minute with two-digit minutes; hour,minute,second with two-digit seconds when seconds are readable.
3,23
